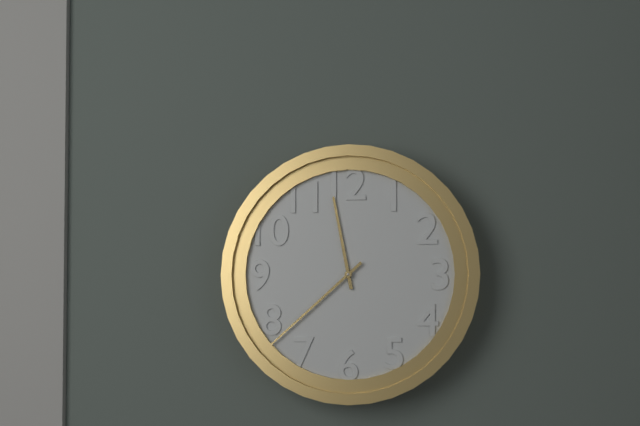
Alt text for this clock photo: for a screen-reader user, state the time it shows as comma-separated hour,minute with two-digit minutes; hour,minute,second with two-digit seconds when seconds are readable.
11,38
